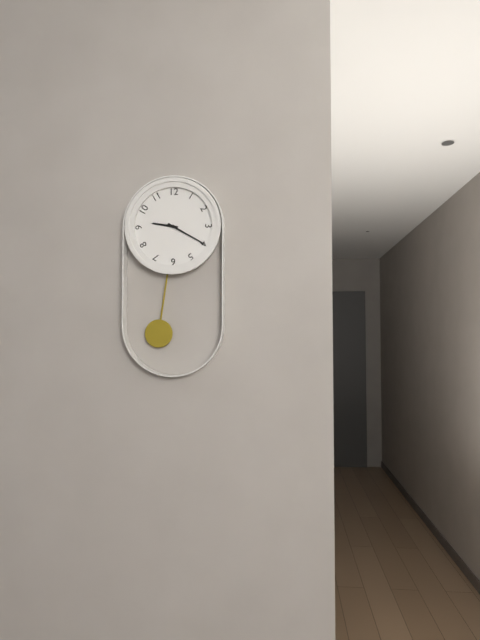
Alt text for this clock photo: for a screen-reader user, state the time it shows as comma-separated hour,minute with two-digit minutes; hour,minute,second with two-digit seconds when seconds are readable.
9,20
